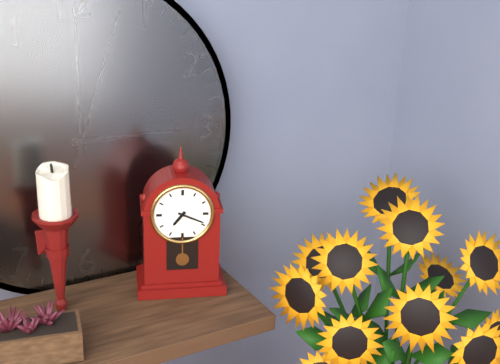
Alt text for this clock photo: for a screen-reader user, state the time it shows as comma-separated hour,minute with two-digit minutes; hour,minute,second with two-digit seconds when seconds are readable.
7,19
